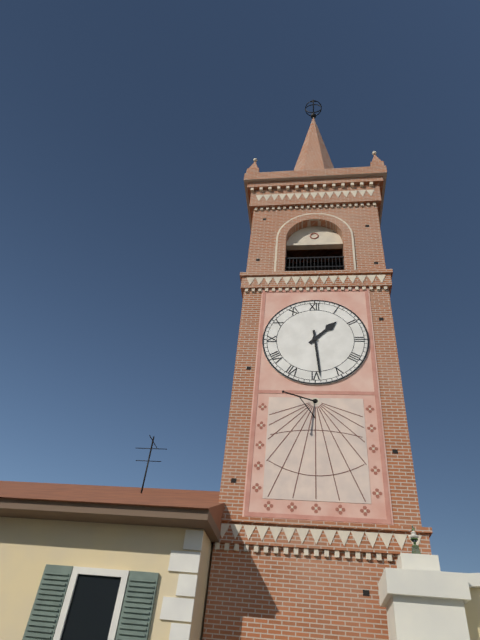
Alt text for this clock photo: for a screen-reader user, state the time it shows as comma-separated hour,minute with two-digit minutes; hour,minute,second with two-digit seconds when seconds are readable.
1,29
